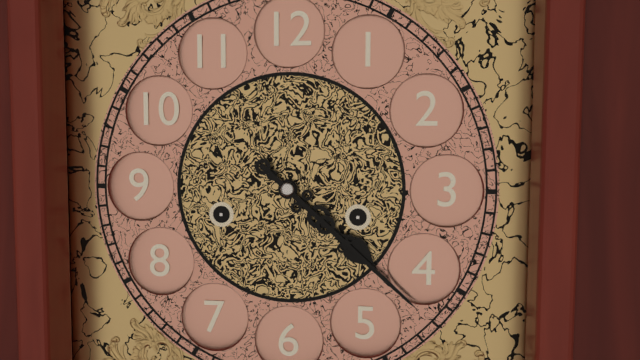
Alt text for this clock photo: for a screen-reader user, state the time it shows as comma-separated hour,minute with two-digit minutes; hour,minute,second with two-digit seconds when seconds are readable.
4,22
